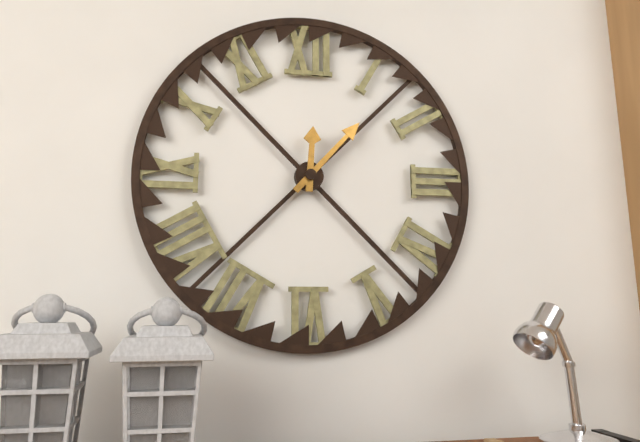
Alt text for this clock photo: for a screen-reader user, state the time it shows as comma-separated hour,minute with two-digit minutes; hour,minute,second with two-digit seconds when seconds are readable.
12,07
